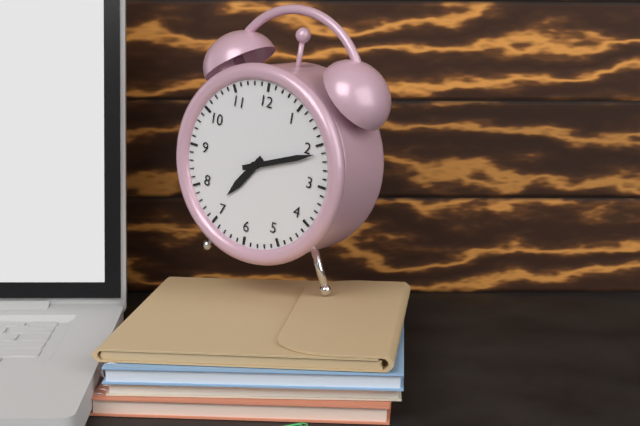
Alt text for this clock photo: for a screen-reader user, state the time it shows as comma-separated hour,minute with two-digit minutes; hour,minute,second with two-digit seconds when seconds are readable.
7,11
